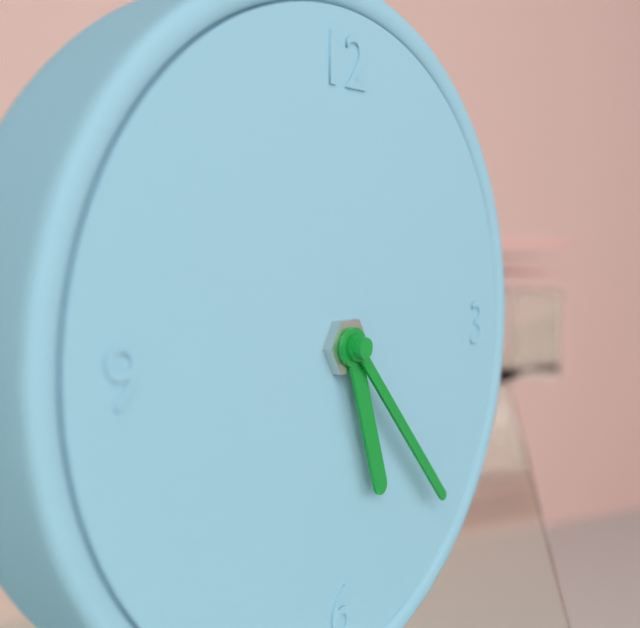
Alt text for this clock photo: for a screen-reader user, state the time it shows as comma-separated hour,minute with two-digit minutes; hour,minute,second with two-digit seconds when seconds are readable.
5,23
